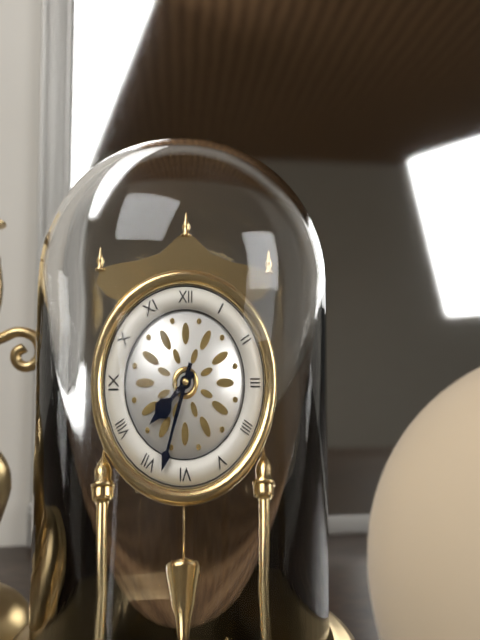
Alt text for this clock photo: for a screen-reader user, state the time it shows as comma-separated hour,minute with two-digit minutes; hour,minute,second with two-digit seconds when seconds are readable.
7,33
